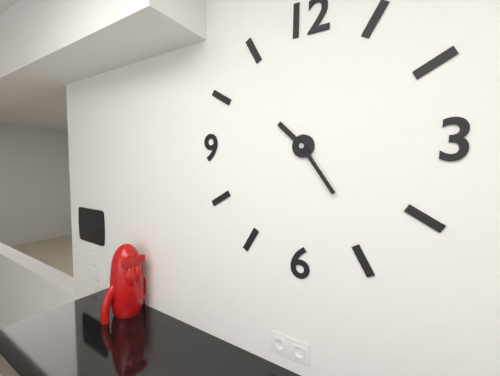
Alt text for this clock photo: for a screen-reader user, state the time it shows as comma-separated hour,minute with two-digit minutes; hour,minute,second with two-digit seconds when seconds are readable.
10,24
